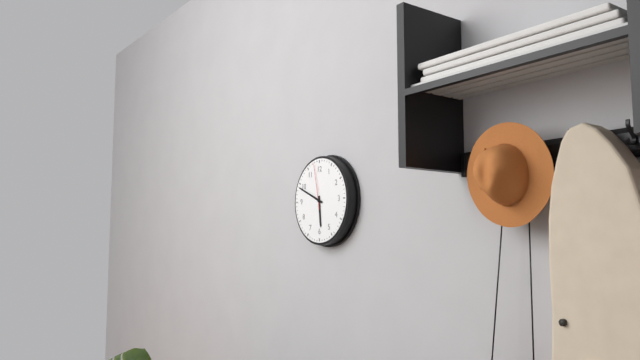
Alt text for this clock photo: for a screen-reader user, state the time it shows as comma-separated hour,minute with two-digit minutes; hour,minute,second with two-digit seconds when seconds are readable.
5,49
